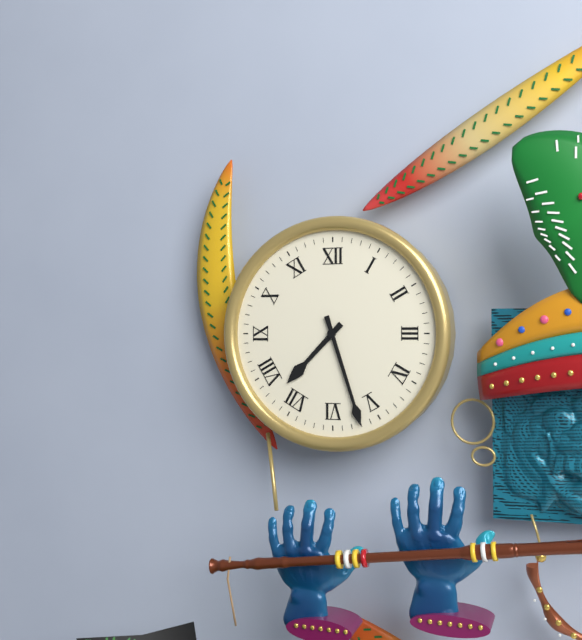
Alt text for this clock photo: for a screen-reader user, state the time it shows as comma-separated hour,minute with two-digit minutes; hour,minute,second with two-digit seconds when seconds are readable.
7,27
